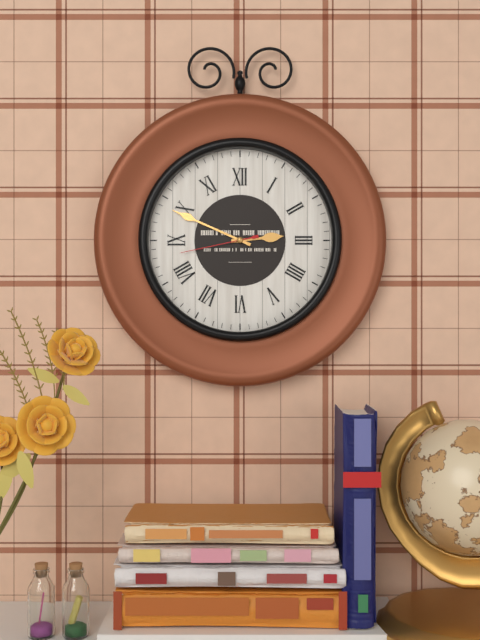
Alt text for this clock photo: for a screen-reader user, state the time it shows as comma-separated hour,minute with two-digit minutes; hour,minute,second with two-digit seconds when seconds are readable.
2,49,43
